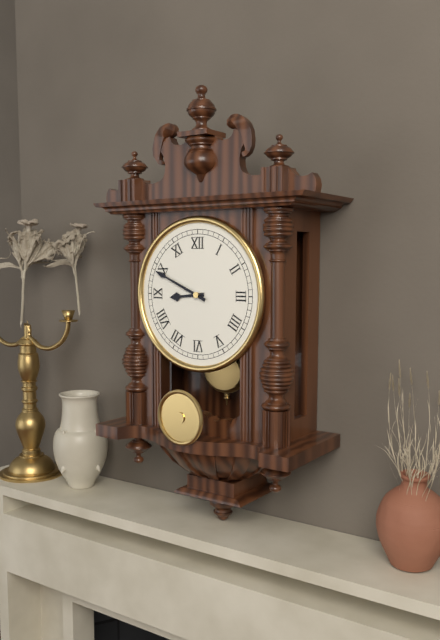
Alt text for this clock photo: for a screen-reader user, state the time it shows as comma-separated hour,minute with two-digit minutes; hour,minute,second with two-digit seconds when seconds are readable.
8,49
